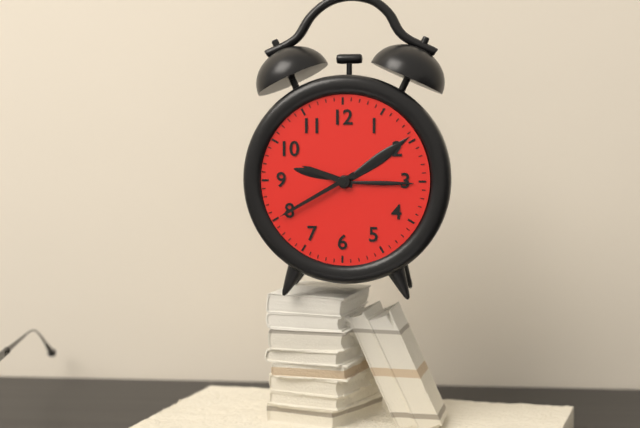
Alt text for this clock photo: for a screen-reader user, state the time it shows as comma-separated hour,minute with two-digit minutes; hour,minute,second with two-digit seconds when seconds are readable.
9,40
